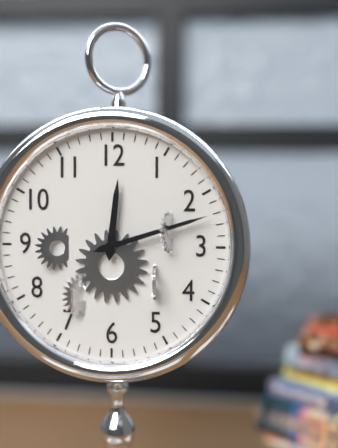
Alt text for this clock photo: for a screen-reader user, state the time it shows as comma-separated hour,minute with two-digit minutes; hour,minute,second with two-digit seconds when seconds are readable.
12,12
